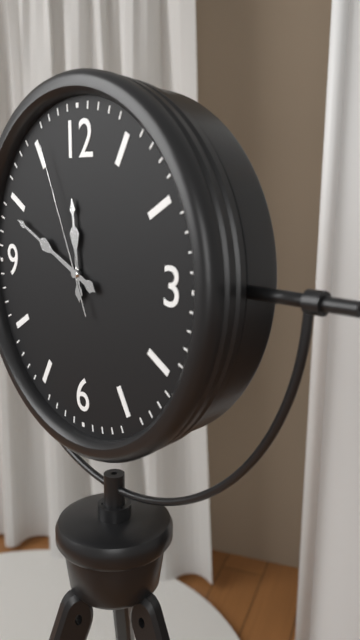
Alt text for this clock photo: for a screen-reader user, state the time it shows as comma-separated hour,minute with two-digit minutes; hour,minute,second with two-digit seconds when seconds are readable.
11,49,56
